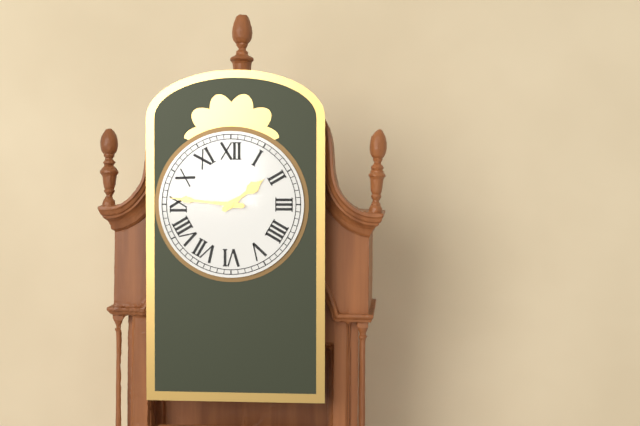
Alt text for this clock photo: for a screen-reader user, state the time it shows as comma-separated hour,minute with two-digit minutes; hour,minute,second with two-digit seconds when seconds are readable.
1,46
